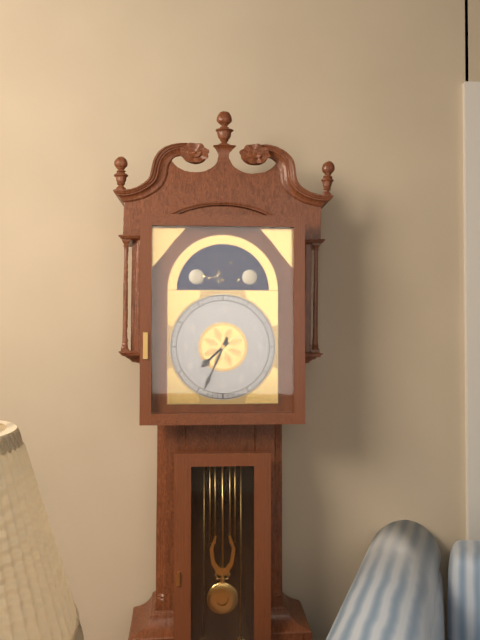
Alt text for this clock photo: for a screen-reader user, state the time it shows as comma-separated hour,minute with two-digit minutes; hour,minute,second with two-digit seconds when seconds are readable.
7,34
